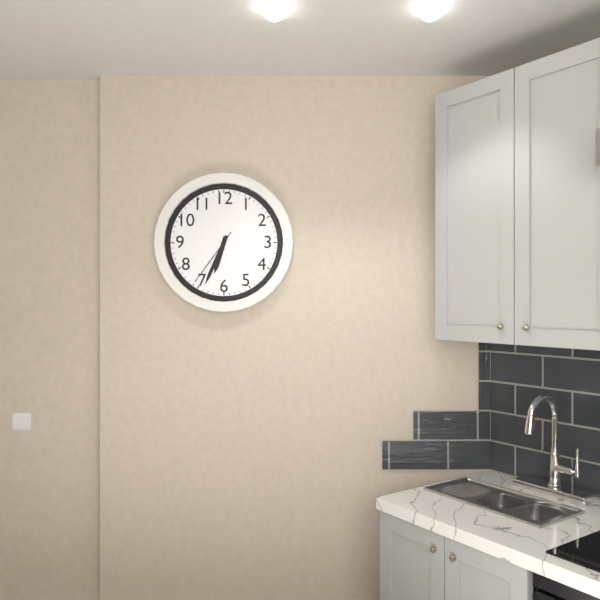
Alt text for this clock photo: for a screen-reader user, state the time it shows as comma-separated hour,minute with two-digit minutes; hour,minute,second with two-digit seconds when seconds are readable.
6,34,36
